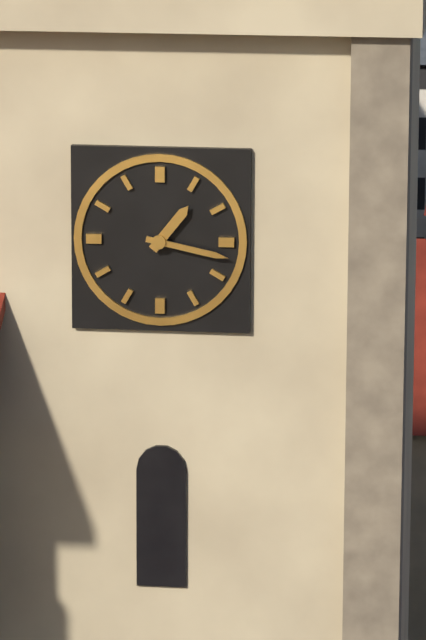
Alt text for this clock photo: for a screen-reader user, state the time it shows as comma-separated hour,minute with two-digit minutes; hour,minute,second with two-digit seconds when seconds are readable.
1,17
